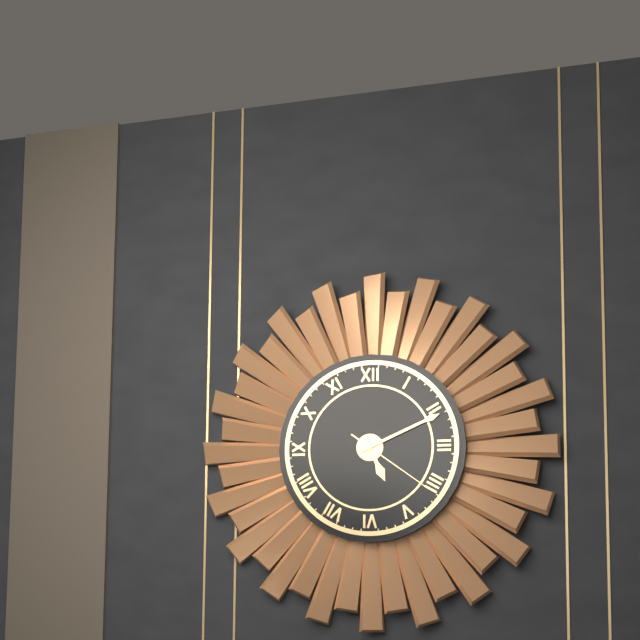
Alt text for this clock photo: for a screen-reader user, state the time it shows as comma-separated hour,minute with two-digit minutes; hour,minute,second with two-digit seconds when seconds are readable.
5,11,21
